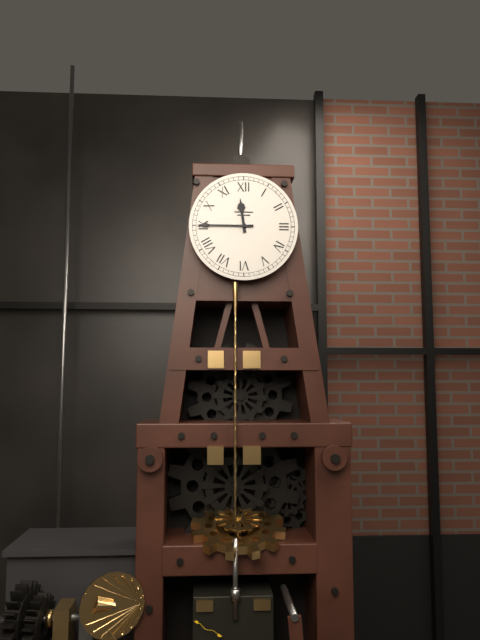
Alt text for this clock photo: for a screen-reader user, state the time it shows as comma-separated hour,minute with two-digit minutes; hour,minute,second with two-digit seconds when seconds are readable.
11,45
